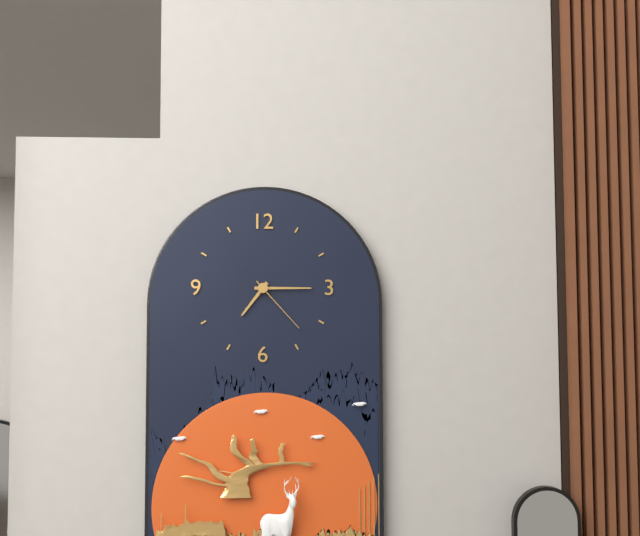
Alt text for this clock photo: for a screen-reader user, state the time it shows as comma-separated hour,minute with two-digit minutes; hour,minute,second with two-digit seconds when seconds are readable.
7,15,23
